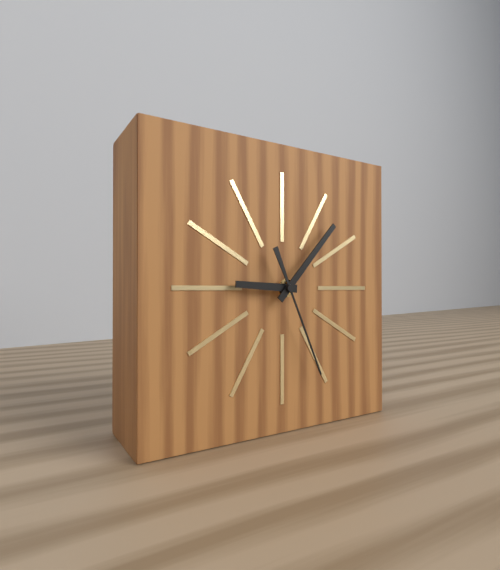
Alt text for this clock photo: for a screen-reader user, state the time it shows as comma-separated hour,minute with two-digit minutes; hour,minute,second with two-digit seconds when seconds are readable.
9,07,26
